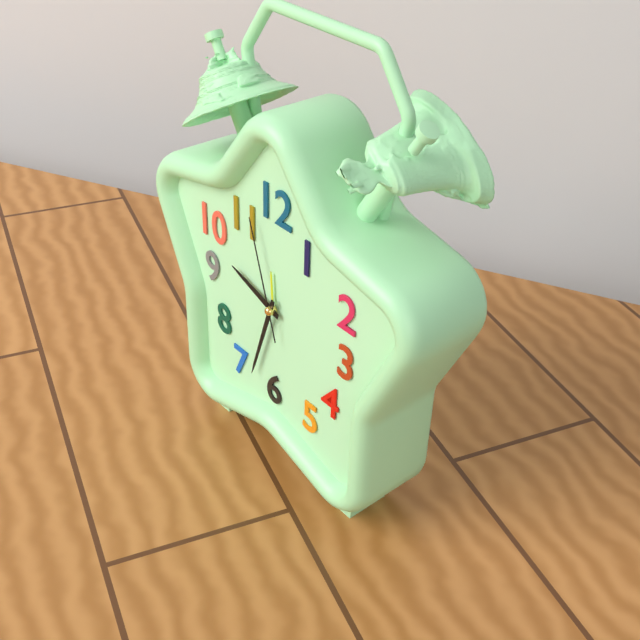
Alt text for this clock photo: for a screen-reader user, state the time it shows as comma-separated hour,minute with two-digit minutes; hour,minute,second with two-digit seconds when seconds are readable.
9,33,57
